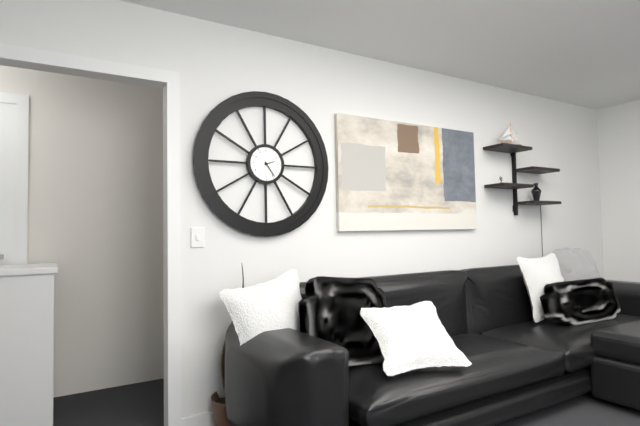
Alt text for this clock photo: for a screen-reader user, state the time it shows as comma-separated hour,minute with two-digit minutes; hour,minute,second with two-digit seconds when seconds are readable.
2,24
